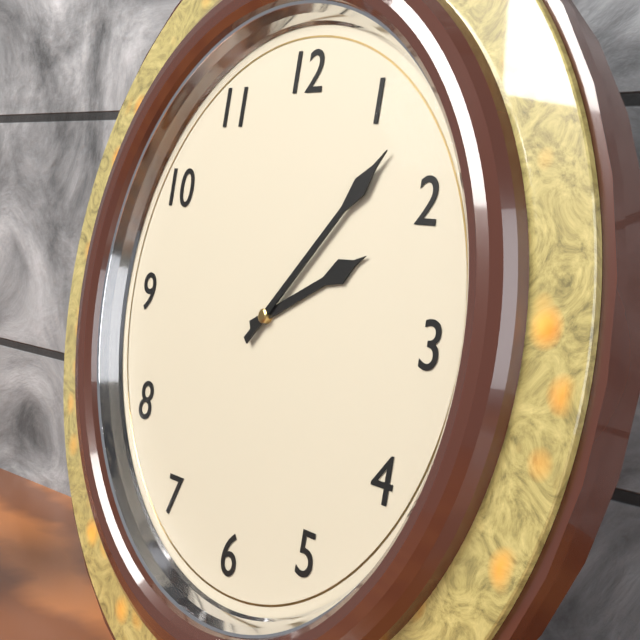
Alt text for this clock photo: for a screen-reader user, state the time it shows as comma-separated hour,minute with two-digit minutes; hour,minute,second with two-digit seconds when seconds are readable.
2,07
